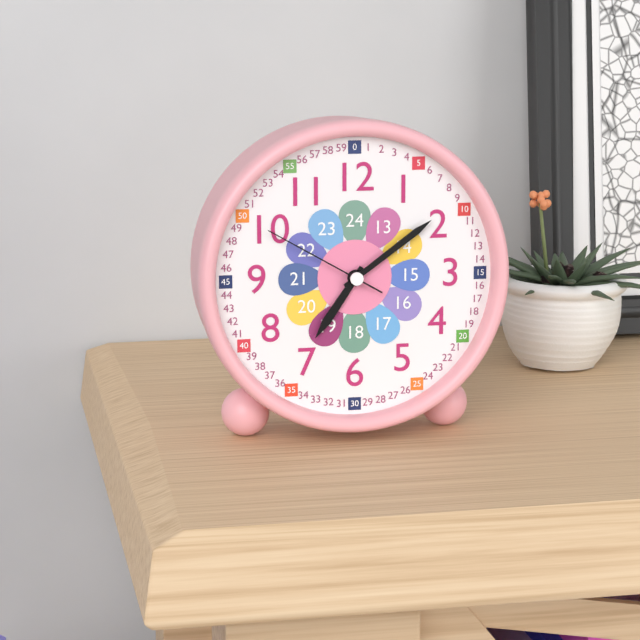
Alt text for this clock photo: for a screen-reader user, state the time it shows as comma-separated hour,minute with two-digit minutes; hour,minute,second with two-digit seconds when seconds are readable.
7,09,50
